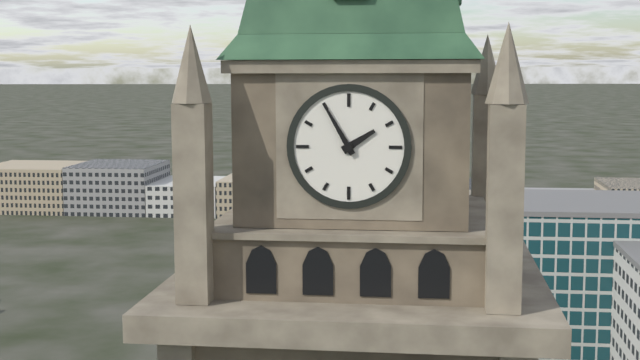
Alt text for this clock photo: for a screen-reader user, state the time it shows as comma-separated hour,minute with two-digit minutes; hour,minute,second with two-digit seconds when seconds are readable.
1,55
